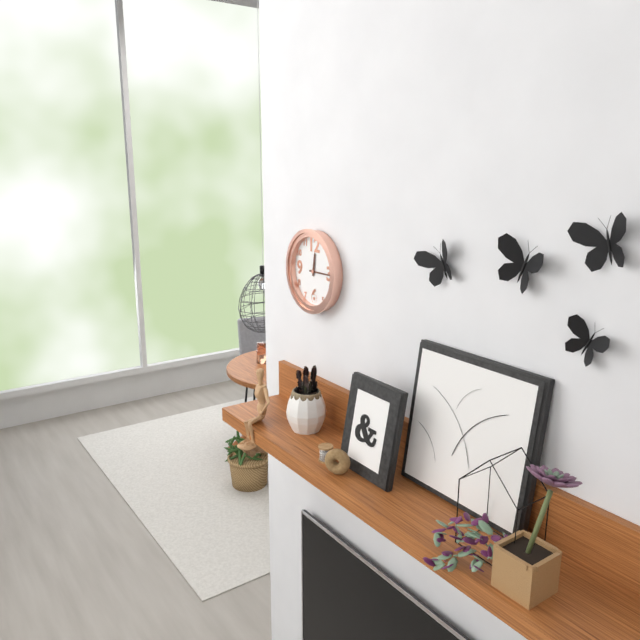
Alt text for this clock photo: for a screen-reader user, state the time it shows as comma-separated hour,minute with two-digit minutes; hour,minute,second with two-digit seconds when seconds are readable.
12,15
